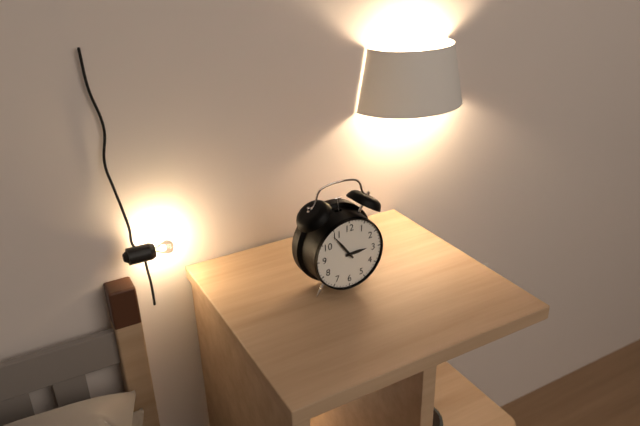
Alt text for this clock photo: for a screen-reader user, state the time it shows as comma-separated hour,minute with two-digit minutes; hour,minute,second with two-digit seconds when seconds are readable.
2,54
